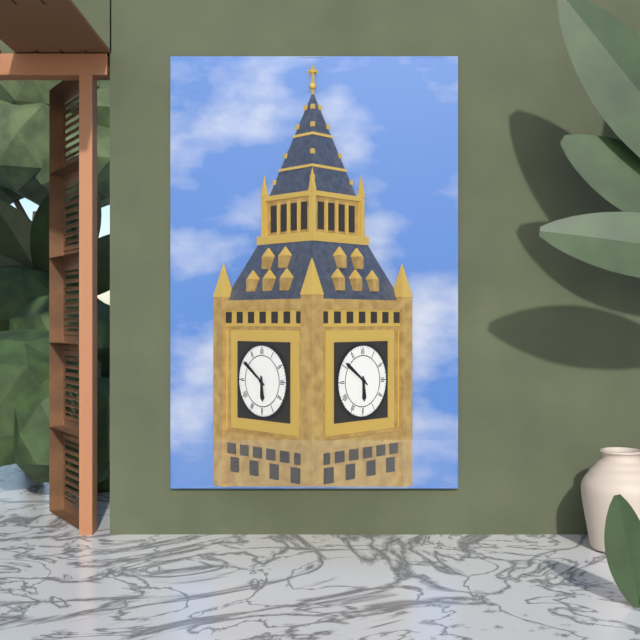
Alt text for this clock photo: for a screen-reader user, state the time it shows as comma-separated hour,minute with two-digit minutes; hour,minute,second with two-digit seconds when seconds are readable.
5,51
